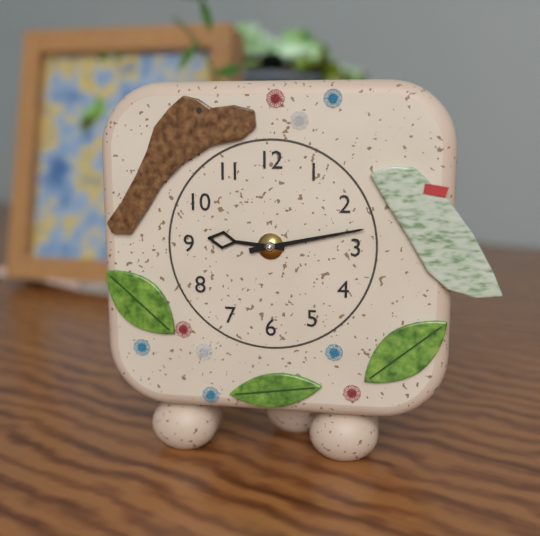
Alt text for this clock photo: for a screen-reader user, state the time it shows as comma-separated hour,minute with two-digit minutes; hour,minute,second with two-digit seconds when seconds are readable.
9,13
